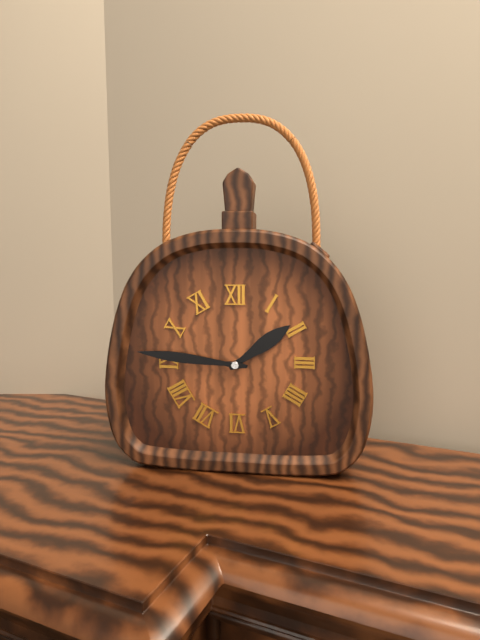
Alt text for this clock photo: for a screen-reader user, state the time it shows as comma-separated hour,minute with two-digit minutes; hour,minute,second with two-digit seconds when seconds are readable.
1,46
